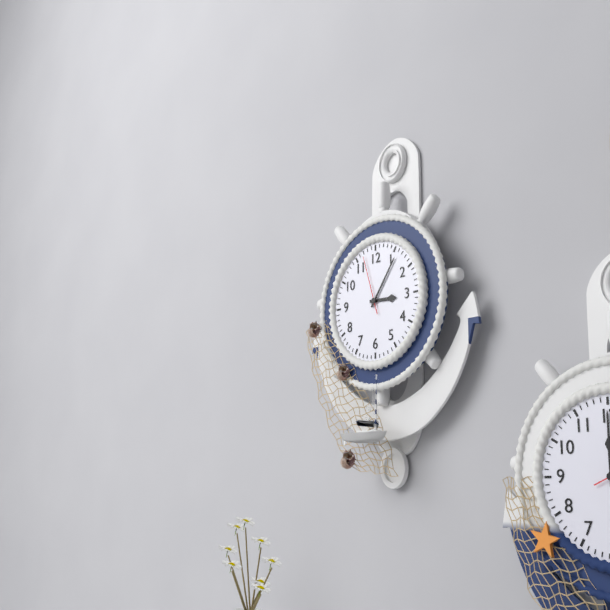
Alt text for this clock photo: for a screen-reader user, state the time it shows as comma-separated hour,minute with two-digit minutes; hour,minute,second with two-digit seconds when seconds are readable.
3,06,57
